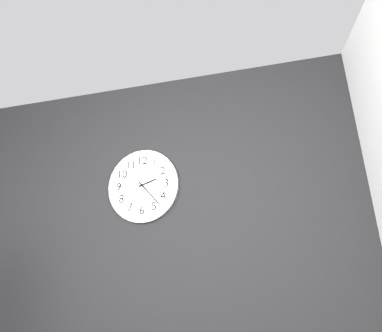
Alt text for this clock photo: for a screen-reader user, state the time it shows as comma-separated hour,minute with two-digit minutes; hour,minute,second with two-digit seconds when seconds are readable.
2,23
